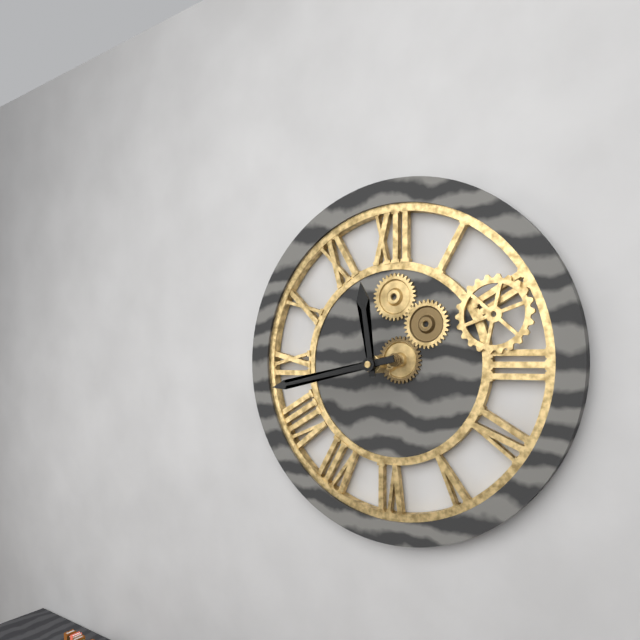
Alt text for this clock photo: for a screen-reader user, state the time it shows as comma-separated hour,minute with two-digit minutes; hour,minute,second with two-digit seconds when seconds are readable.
11,43
